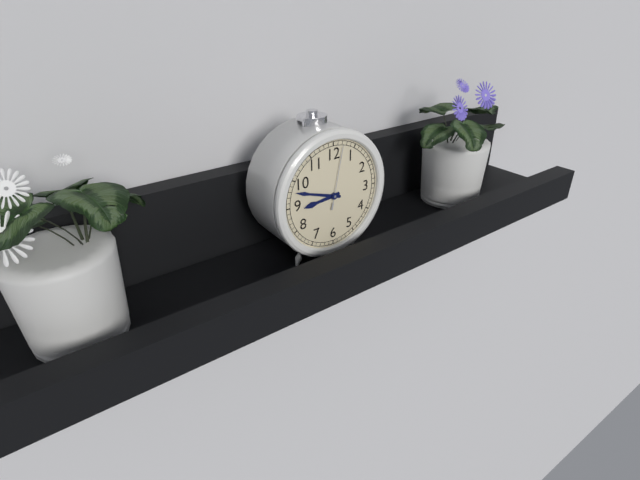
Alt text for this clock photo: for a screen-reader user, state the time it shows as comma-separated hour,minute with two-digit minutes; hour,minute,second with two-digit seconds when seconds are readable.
8,48,02
